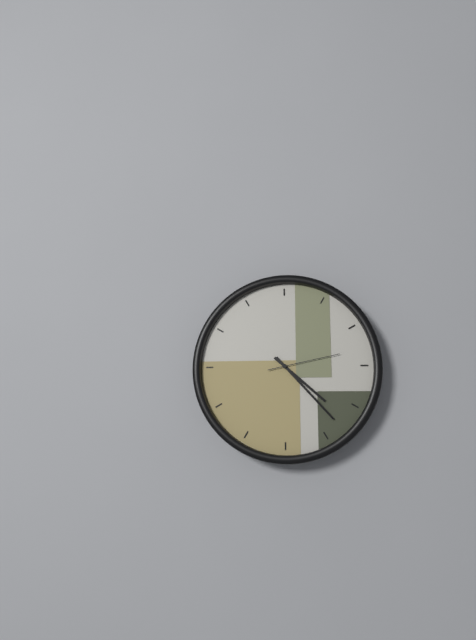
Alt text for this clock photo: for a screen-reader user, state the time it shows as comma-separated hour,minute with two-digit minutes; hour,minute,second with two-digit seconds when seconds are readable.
4,23,13
